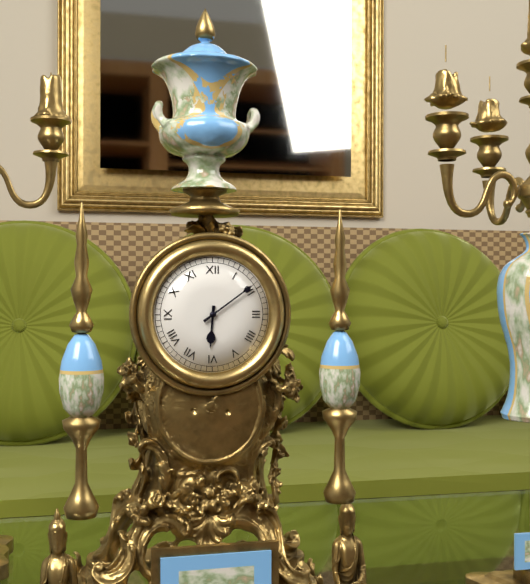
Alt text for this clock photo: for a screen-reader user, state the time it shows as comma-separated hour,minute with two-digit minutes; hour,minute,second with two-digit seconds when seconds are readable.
6,09
